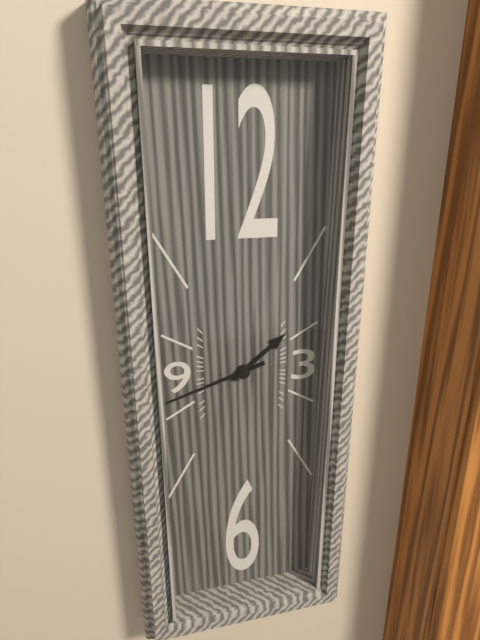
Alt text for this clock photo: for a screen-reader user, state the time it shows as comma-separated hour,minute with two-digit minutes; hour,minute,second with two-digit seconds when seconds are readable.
1,42
